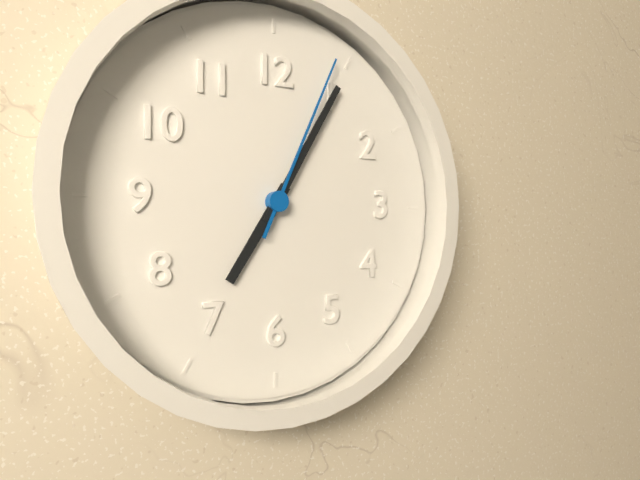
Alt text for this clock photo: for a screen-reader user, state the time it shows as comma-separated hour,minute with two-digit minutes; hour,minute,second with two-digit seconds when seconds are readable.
7,05,04
